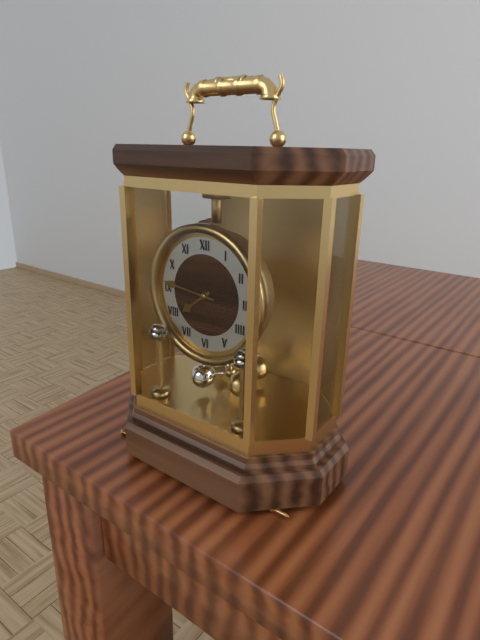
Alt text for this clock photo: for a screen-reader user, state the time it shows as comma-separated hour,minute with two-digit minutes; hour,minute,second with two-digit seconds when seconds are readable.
7,46
